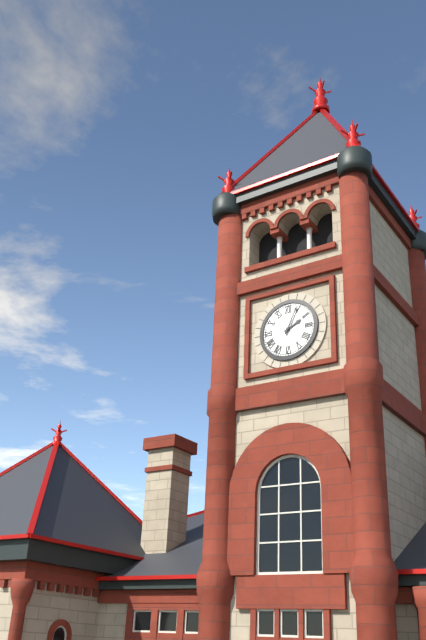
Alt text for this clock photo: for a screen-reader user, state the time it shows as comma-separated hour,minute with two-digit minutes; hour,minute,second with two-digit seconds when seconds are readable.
2,04
